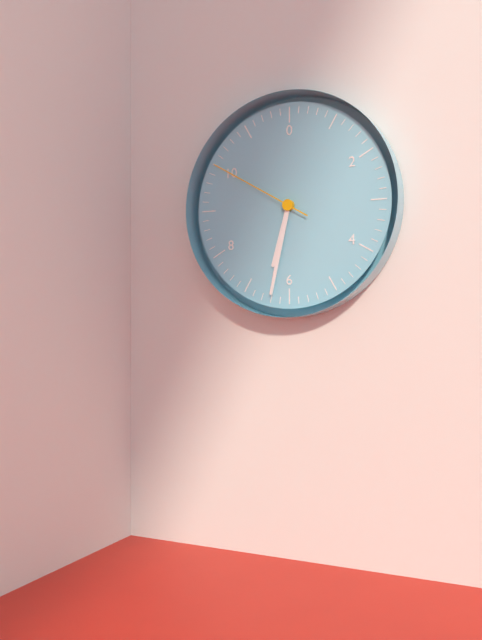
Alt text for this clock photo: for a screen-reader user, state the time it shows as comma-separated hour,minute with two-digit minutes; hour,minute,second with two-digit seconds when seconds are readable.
6,32,50
